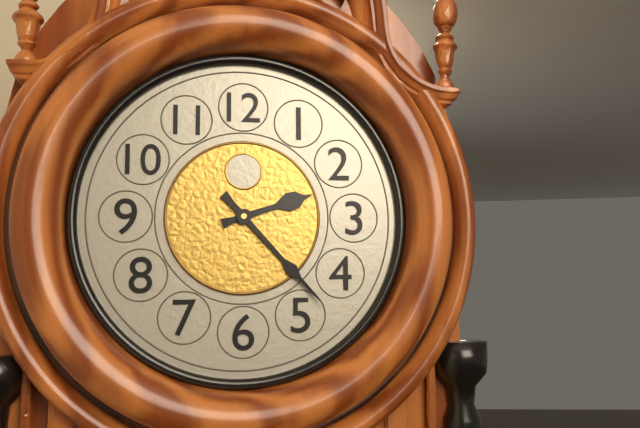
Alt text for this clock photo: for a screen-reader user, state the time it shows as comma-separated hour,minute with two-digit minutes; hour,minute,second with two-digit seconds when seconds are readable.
2,23
